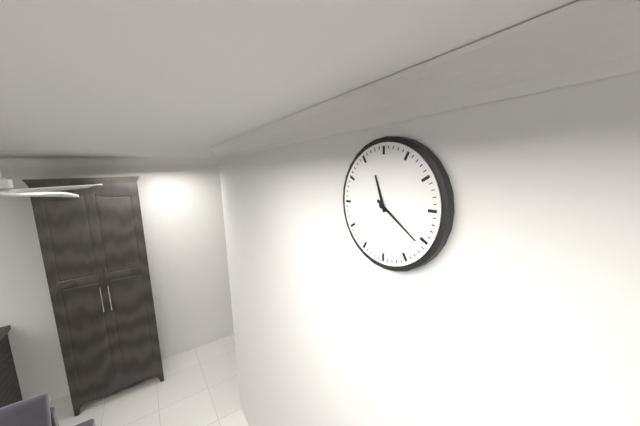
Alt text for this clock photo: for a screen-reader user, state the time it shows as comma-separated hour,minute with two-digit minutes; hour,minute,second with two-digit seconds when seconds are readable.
11,21
